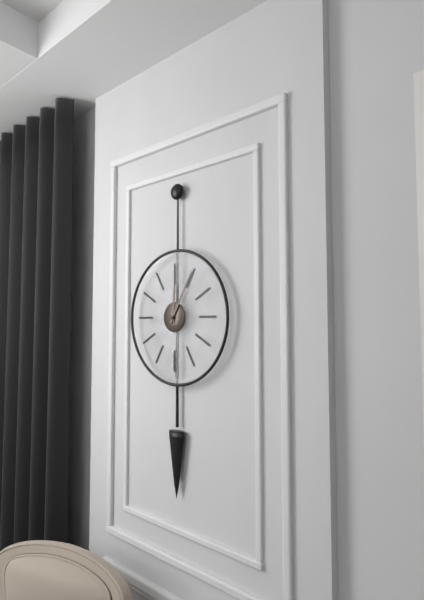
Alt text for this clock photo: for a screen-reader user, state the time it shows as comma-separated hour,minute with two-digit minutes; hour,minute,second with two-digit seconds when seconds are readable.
12,05
